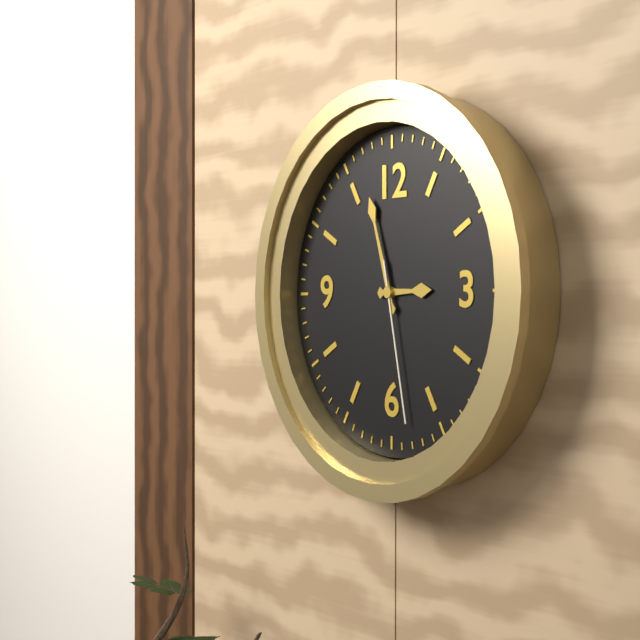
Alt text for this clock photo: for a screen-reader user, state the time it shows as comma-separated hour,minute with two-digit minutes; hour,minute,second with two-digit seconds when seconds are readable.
2,57,28
